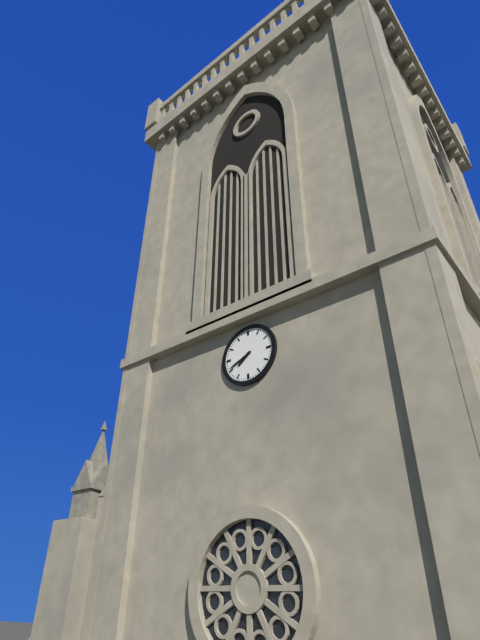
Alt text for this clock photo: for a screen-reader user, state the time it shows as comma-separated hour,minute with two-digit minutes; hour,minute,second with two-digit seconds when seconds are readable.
7,41
